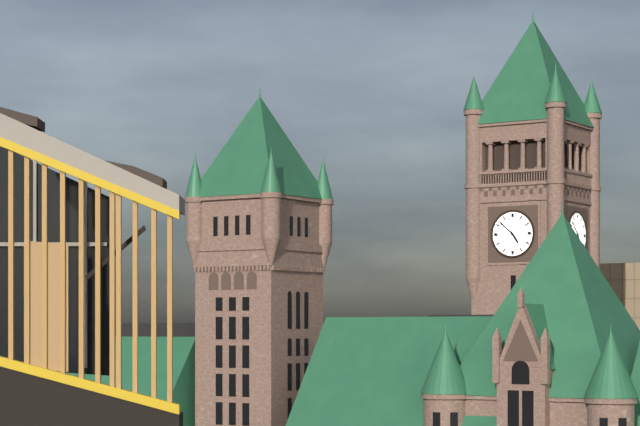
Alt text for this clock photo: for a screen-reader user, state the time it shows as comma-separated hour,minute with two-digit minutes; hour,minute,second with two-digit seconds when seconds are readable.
4,52
